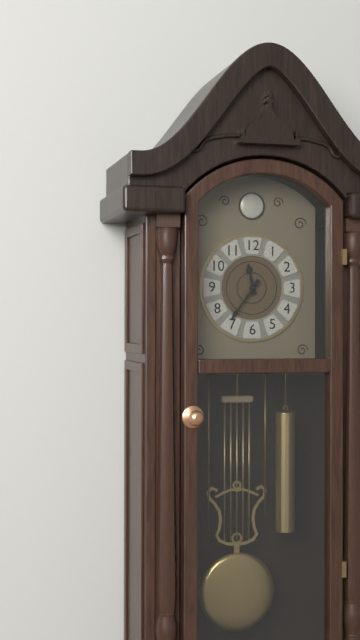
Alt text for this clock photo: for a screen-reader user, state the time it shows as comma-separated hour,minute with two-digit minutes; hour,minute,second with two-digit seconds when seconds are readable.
11,36
